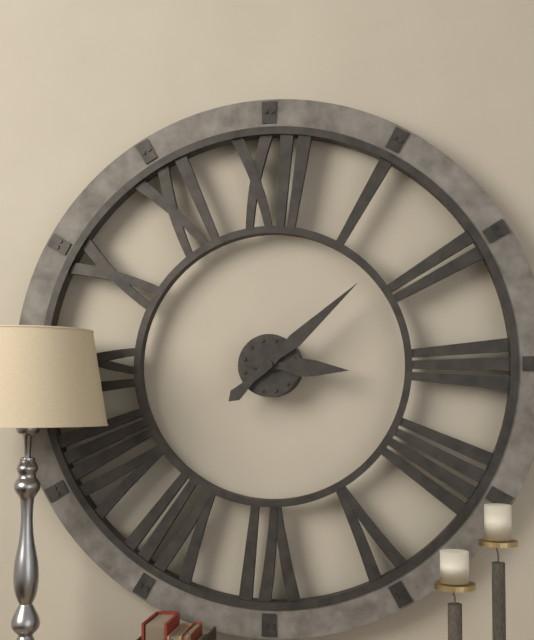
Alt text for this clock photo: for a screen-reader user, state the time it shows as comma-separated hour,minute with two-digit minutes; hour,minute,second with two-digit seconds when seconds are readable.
3,08
